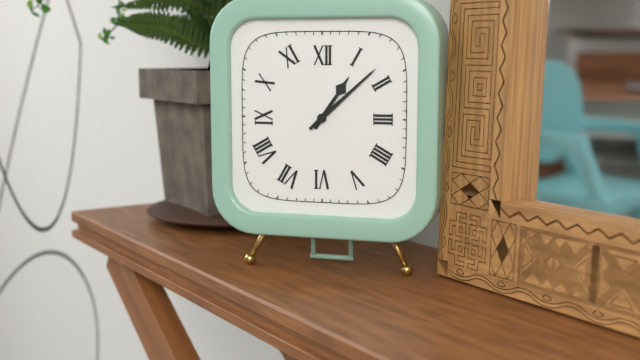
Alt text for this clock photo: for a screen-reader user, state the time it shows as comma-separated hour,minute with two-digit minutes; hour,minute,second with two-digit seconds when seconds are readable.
1,08
